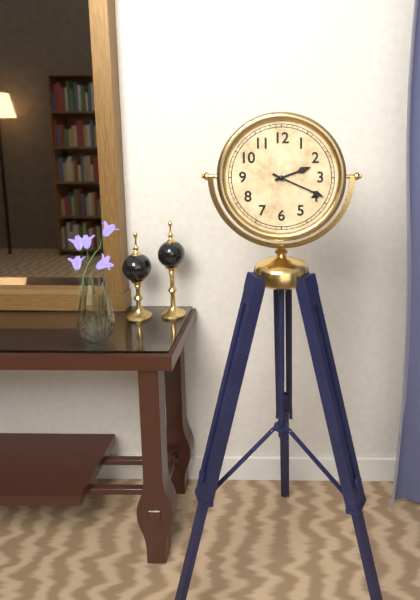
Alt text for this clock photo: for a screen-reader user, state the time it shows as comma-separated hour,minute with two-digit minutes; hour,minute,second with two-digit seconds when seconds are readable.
2,19
